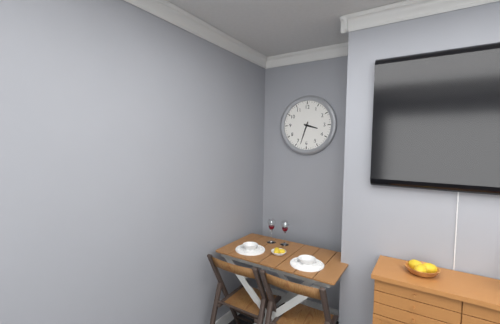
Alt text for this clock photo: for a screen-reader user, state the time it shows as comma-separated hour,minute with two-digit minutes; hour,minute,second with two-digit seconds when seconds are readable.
3,33
